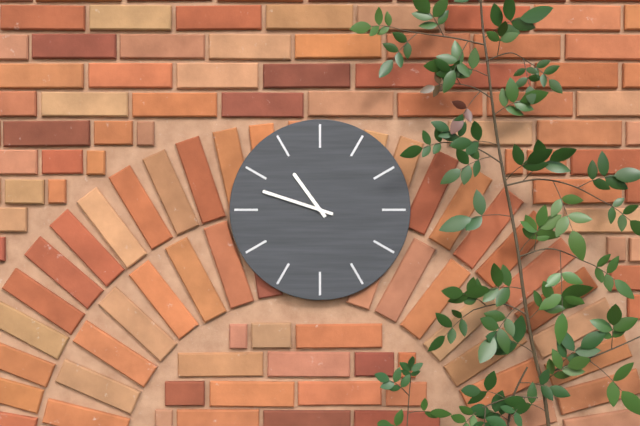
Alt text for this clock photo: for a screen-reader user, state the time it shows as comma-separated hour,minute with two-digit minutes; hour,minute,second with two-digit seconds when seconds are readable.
10,48
